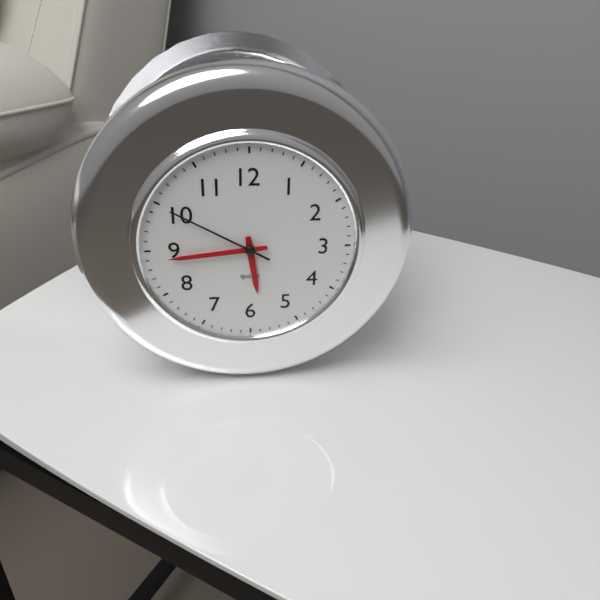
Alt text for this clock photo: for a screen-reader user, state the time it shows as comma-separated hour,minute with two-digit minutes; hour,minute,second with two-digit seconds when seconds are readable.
5,44,50
